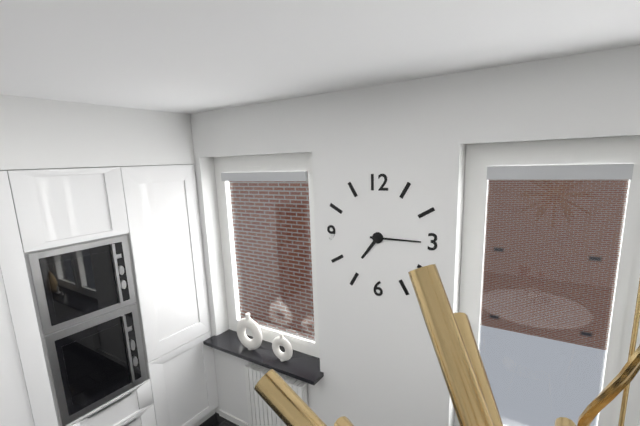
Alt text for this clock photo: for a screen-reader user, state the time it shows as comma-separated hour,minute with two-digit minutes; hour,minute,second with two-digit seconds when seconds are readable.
7,15
